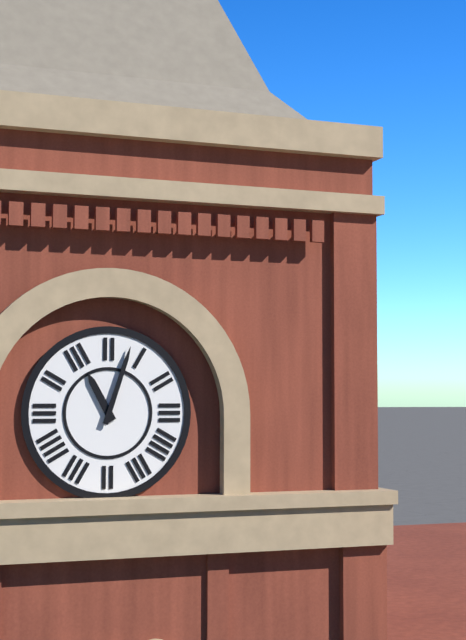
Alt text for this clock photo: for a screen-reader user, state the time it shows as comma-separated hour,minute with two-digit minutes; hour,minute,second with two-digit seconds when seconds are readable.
11,03
